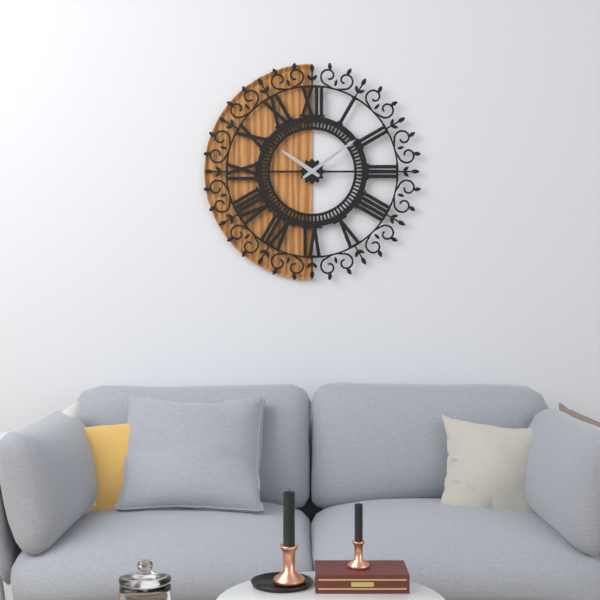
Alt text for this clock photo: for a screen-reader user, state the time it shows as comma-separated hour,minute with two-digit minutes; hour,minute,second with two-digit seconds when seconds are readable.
10,09
